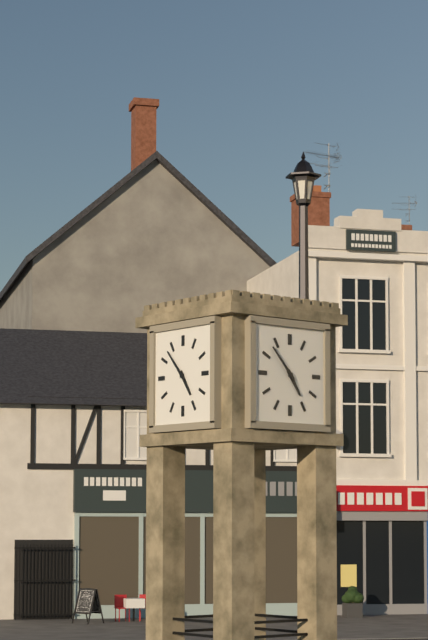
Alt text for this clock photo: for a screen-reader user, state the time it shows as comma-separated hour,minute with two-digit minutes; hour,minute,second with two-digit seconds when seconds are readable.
4,53
